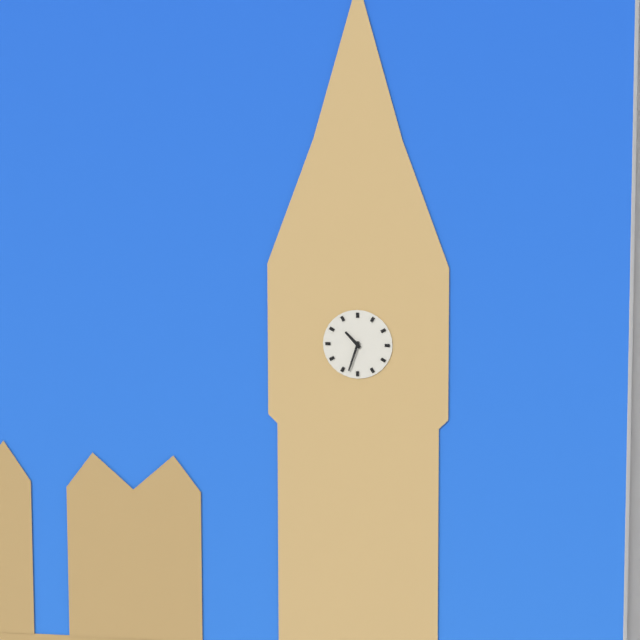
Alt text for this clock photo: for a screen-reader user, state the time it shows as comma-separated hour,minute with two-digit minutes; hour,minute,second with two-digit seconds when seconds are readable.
10,33
